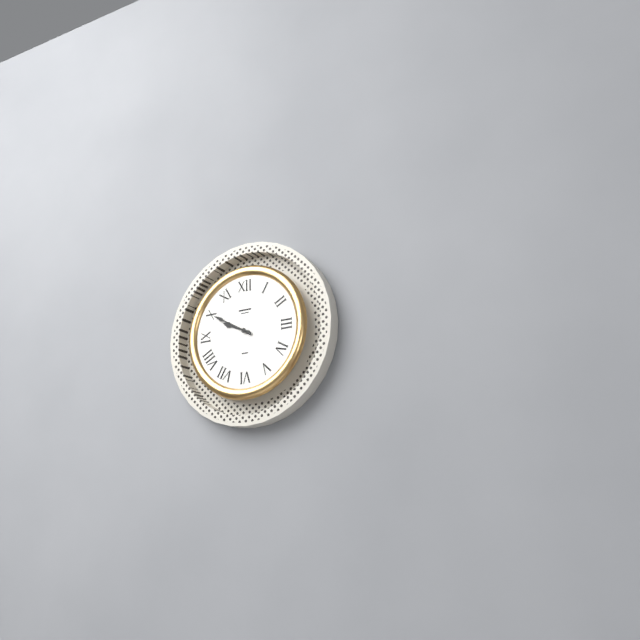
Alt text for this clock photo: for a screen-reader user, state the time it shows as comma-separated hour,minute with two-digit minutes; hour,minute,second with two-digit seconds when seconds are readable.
9,50
